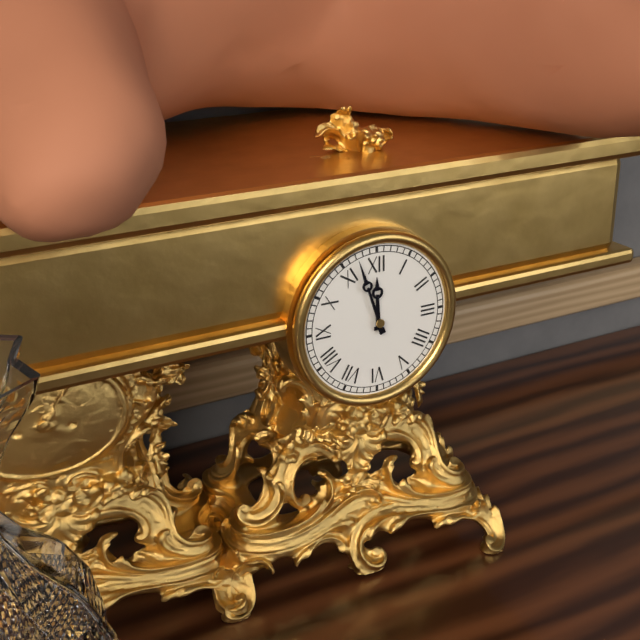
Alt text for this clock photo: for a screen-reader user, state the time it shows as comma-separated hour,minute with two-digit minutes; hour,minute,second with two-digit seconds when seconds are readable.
11,57
